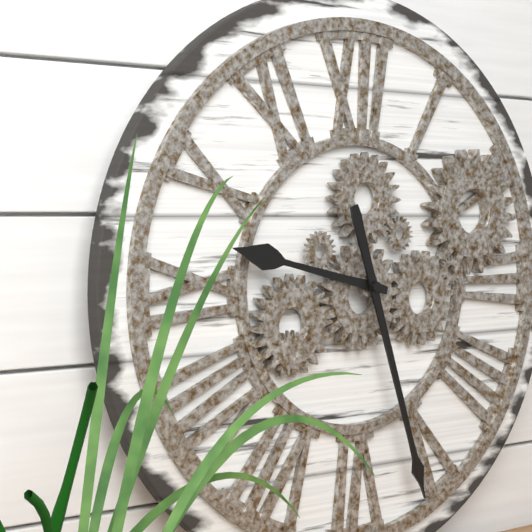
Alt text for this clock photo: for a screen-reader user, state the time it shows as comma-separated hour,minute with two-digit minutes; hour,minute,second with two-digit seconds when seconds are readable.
9,27
